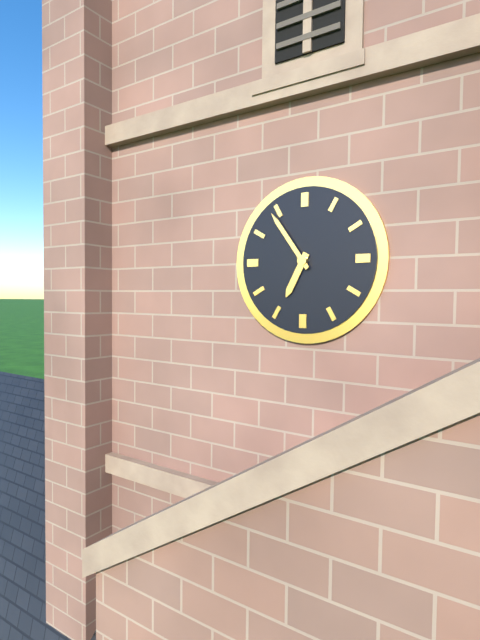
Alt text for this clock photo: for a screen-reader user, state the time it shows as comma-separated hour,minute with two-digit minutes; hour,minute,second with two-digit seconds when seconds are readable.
6,54
